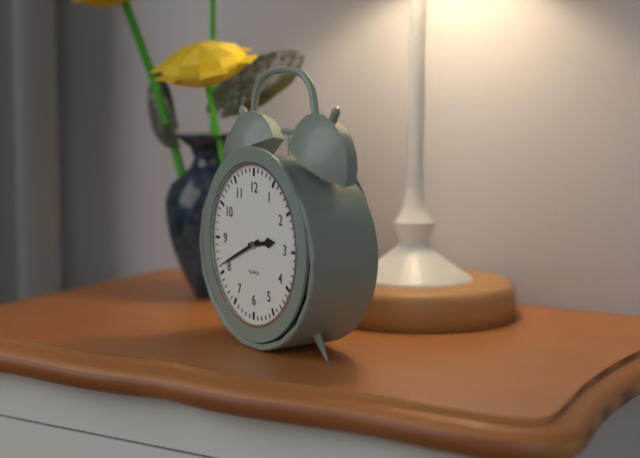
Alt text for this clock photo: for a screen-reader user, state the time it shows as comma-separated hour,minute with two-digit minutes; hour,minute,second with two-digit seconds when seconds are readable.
2,41
